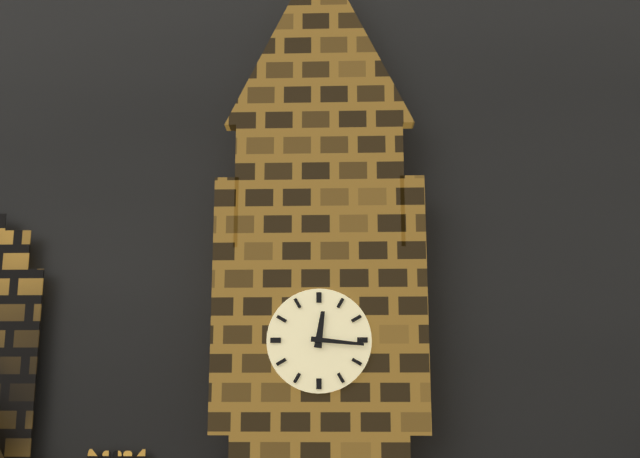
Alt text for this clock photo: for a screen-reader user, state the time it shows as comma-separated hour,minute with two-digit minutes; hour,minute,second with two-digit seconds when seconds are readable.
12,16
